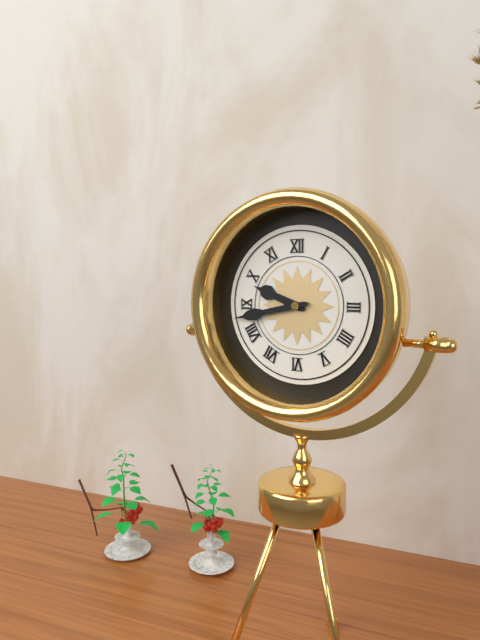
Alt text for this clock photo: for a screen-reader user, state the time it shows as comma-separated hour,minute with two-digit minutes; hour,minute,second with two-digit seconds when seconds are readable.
9,43
